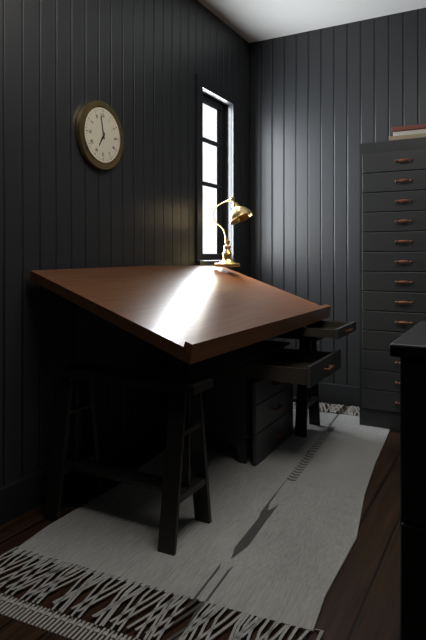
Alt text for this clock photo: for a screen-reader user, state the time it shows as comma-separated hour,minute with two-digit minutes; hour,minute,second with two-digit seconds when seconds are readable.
6,58
